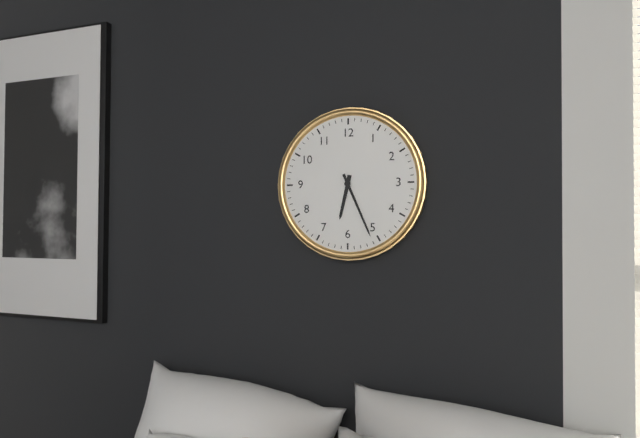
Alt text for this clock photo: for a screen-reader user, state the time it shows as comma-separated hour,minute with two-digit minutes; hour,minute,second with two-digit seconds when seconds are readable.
6,26
